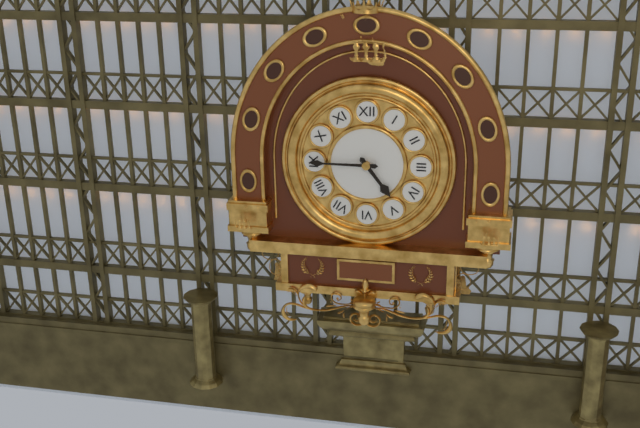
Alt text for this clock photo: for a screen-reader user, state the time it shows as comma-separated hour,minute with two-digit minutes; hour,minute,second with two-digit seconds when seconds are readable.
4,45
